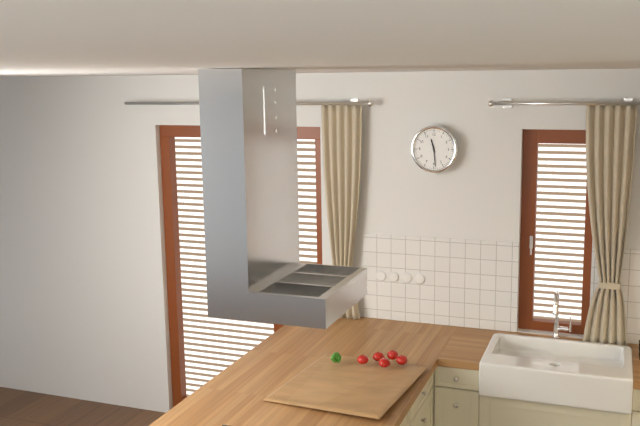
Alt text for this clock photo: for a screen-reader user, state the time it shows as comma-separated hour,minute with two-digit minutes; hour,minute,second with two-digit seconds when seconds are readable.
11,29
